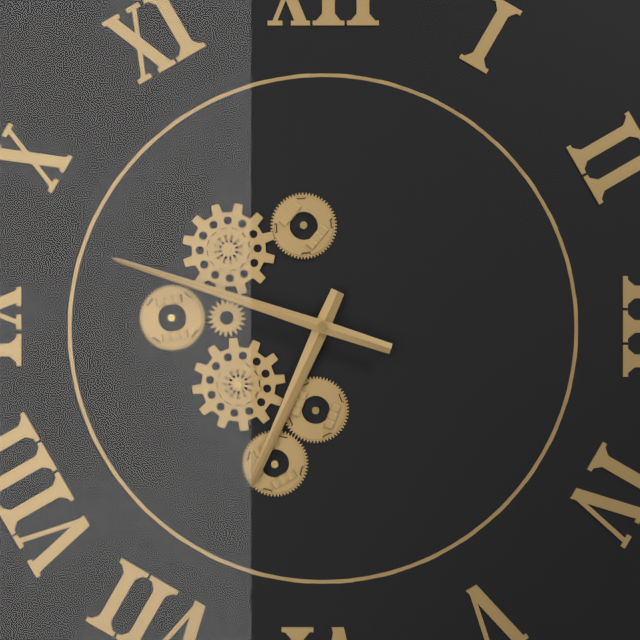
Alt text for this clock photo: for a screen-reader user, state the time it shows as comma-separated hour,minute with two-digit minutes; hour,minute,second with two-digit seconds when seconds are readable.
6,48
